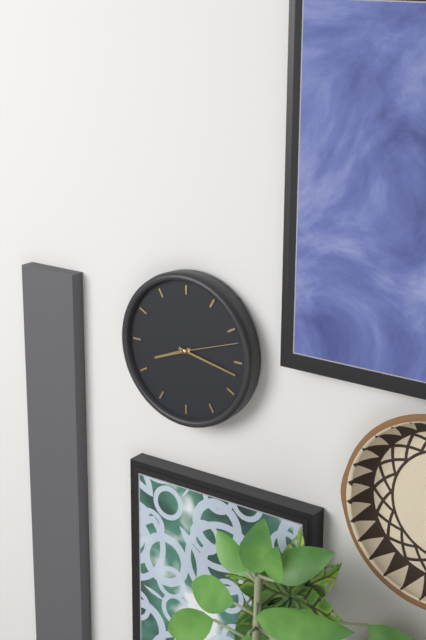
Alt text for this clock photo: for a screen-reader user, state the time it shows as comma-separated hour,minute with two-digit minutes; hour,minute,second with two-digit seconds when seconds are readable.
8,17,12
